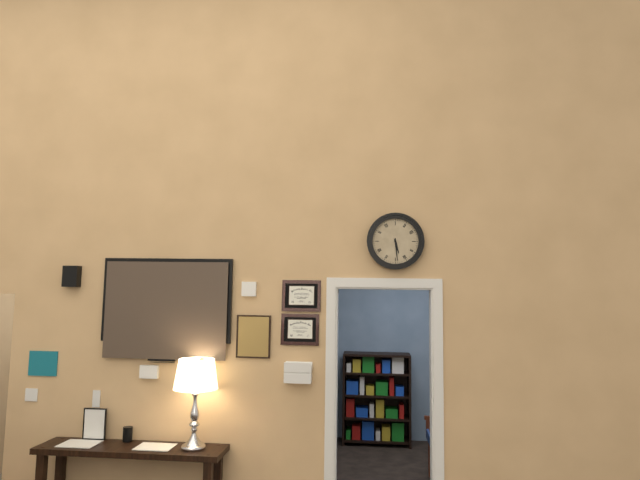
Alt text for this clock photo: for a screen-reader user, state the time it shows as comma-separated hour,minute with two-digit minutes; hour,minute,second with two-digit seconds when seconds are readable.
5,29
